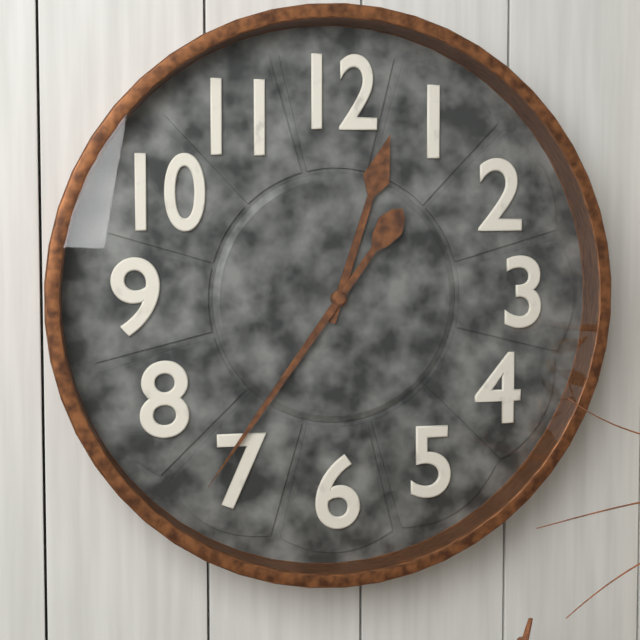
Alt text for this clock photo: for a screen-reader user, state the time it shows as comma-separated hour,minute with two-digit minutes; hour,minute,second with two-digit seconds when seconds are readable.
12,36
